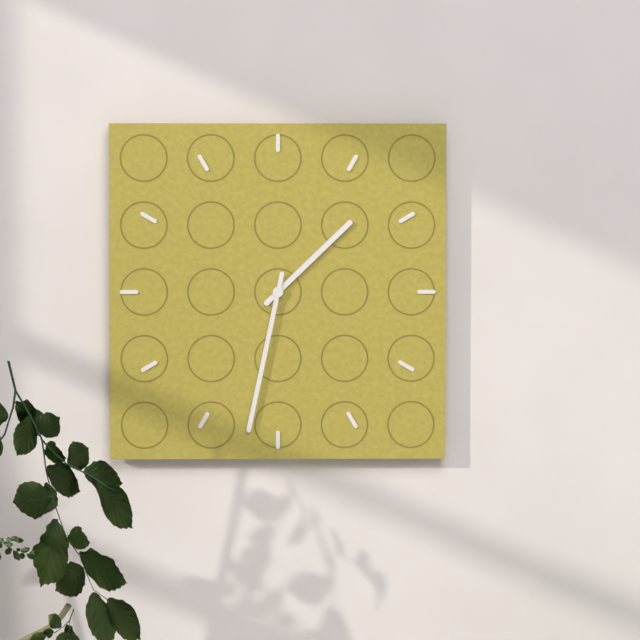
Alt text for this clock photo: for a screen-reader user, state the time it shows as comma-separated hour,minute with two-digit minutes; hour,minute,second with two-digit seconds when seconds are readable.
1,32
